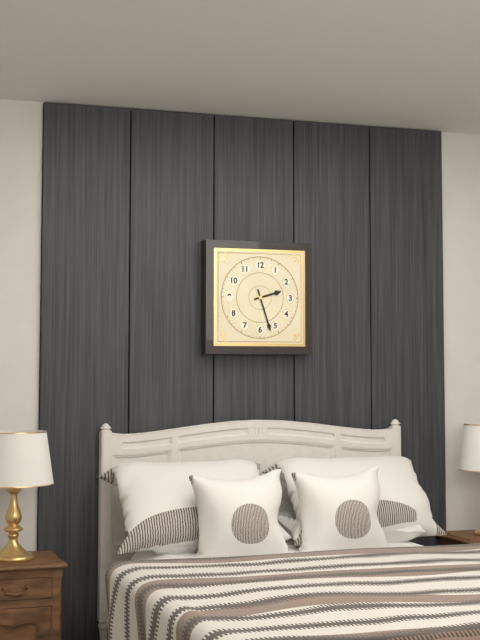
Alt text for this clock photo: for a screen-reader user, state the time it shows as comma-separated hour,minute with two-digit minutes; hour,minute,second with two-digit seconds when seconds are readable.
2,27
